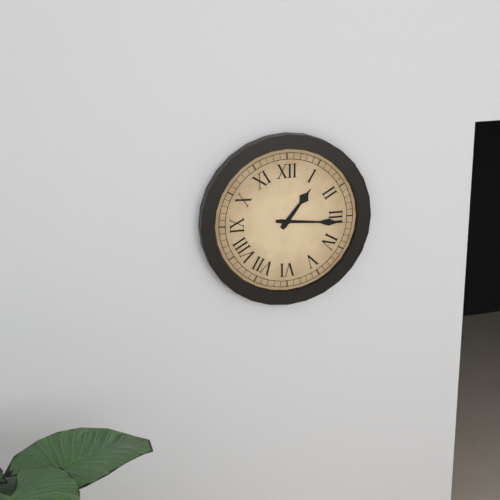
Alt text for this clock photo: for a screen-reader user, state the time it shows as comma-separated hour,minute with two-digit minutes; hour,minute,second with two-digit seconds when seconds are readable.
1,16
